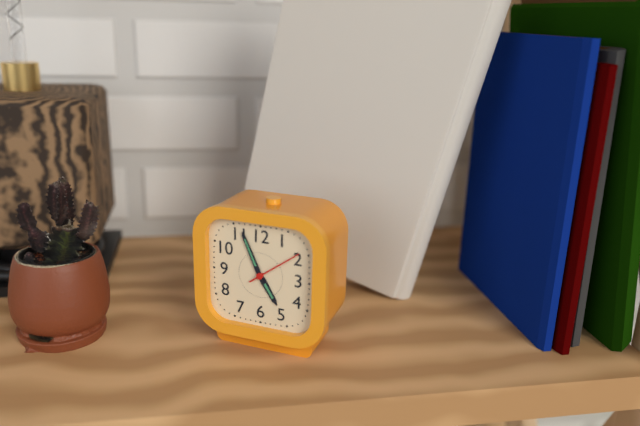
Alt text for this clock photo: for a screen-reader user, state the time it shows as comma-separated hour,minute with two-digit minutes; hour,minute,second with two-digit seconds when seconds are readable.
4,56
